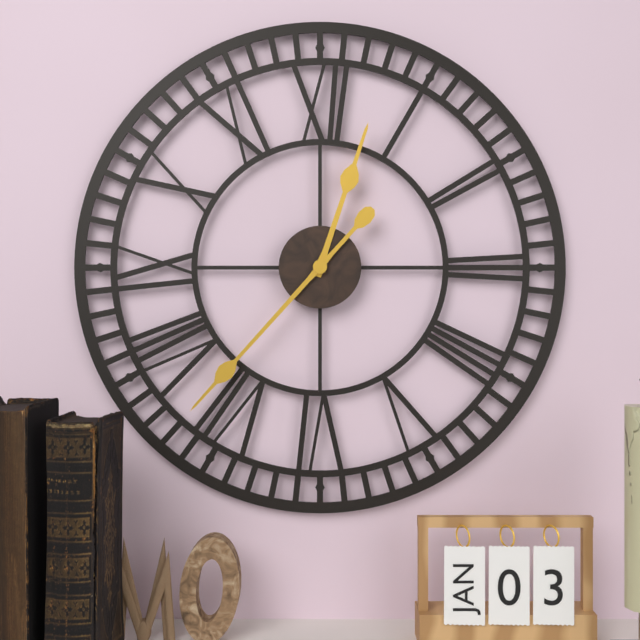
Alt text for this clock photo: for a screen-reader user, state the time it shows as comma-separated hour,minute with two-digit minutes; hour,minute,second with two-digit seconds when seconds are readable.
12,37
